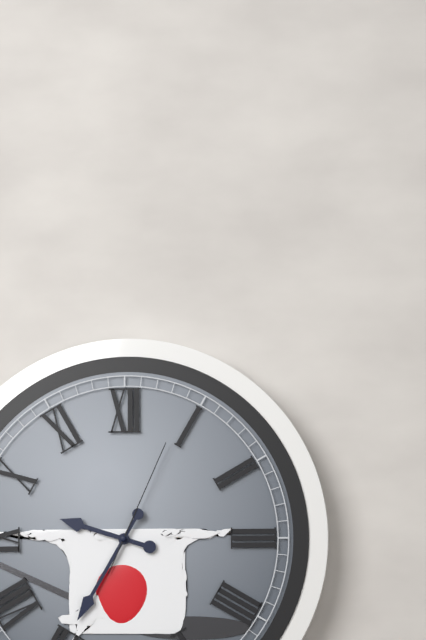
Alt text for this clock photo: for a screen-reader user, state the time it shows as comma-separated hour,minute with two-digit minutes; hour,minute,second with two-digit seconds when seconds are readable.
9,35,04
